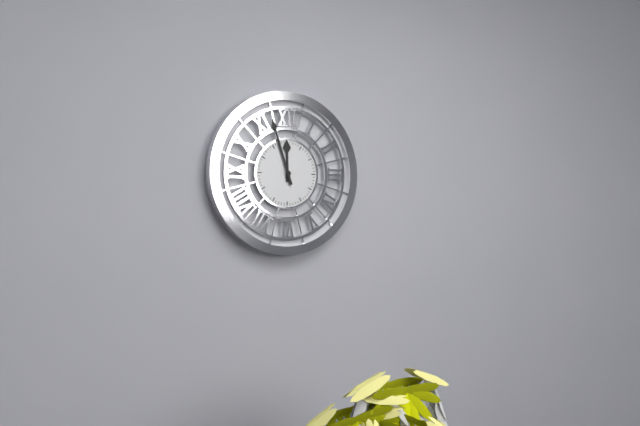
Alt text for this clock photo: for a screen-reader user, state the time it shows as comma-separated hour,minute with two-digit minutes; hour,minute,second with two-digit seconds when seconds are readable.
11,57
